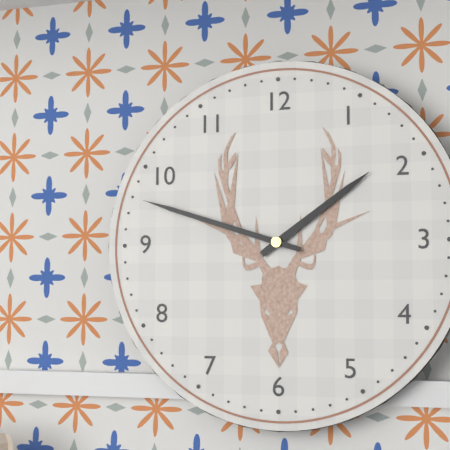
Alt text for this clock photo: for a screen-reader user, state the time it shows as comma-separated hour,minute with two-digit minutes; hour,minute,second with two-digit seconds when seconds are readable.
1,48
